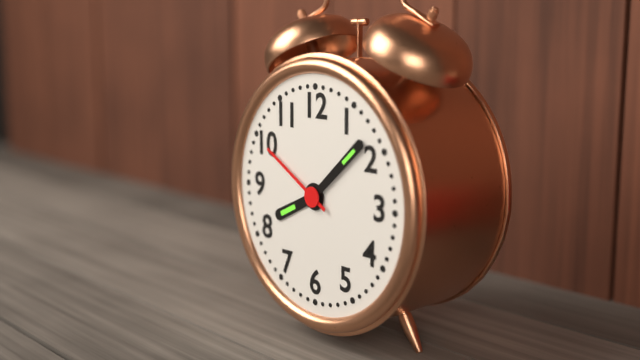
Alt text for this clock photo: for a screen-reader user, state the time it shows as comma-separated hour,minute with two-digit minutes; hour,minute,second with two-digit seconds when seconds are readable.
8,08,50
